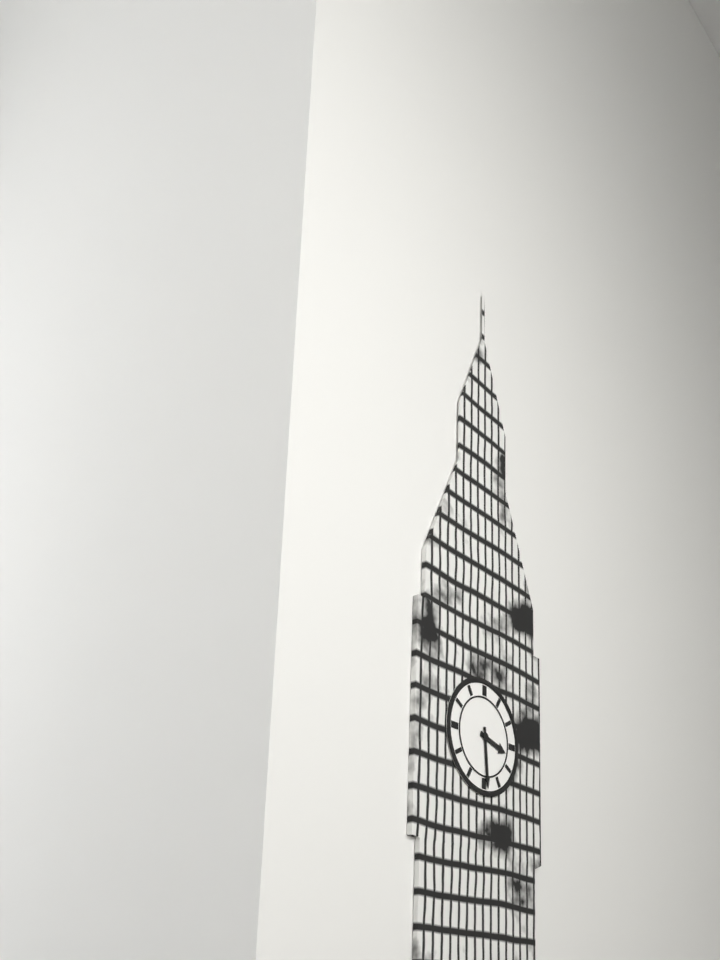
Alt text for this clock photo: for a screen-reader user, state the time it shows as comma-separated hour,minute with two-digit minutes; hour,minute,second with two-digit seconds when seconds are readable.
3,29
